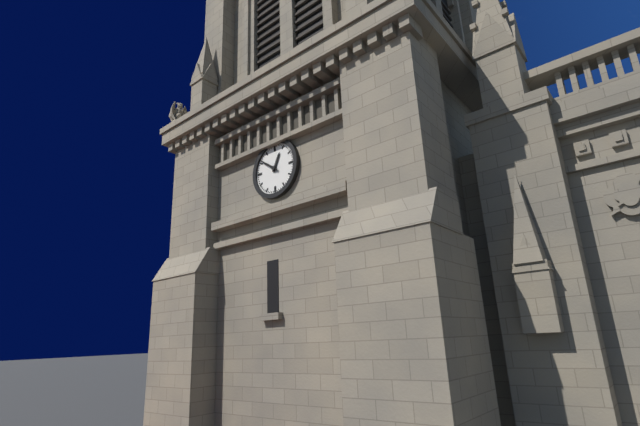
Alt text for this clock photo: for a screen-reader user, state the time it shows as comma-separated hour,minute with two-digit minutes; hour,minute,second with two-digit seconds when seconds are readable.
12,51
